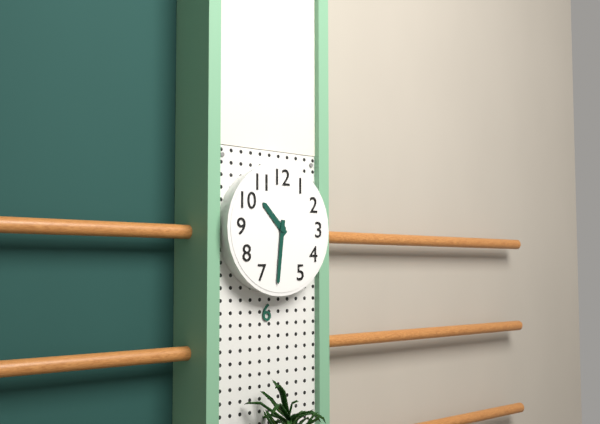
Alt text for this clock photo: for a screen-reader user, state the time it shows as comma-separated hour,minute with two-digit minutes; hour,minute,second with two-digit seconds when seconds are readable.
10,31
